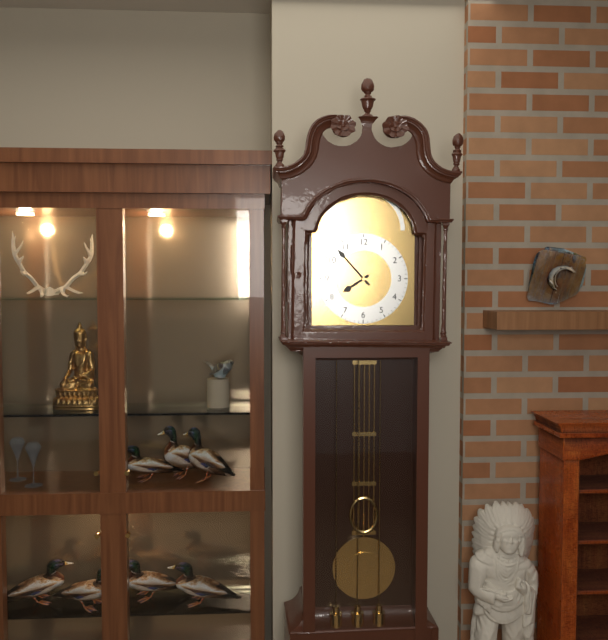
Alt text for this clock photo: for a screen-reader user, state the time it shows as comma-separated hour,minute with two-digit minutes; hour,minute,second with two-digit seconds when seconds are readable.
7,53
